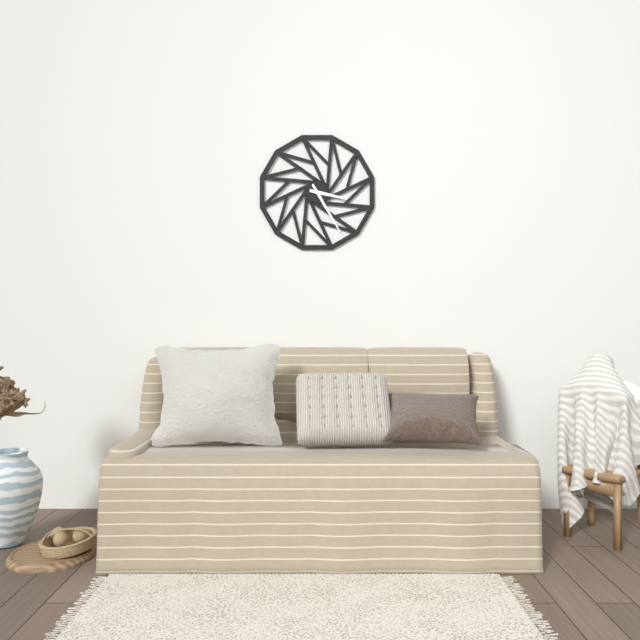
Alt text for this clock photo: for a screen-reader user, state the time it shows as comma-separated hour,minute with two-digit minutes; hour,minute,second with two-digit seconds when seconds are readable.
3,25
